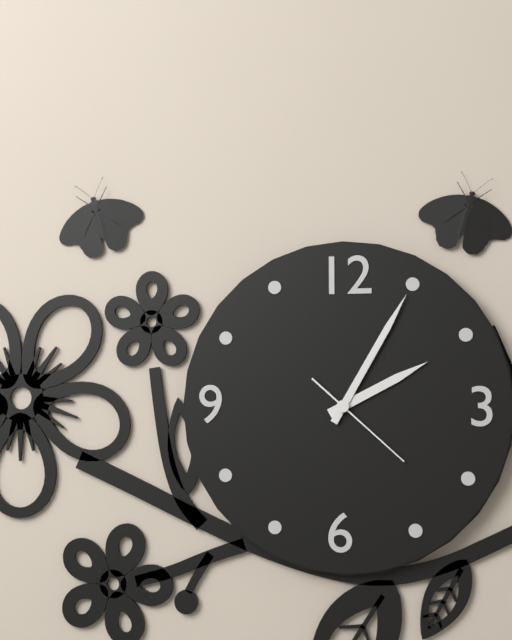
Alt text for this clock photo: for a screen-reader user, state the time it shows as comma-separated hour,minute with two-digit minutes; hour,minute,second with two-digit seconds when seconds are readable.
2,05,22
